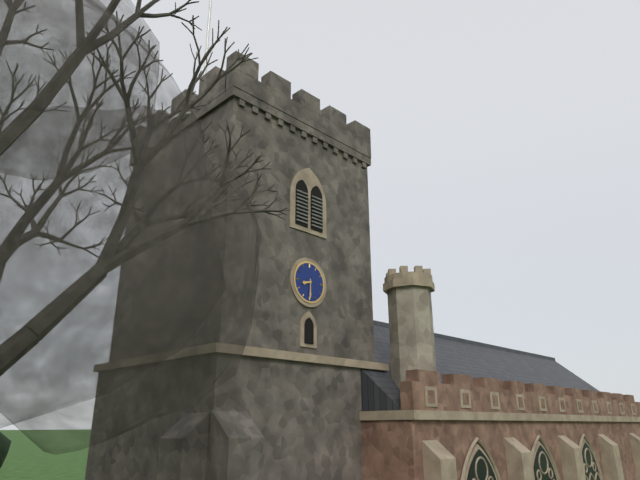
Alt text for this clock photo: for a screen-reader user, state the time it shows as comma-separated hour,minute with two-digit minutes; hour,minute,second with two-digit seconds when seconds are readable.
8,30
